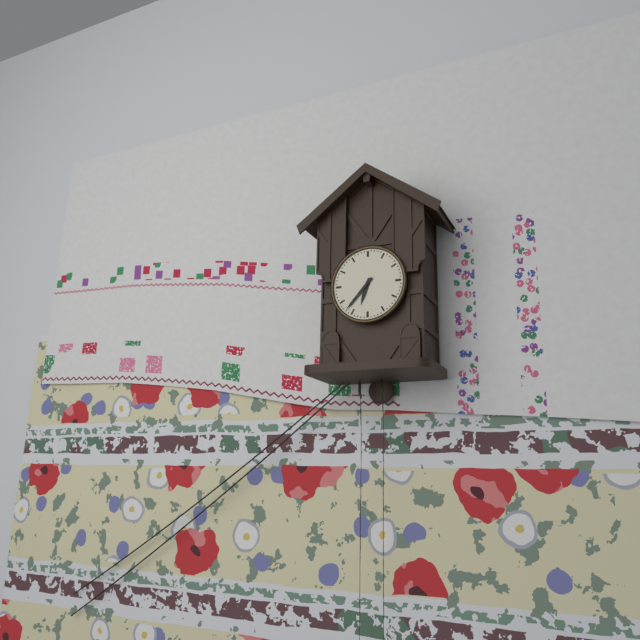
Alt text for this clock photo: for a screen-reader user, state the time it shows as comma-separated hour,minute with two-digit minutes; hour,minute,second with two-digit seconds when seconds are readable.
6,37
